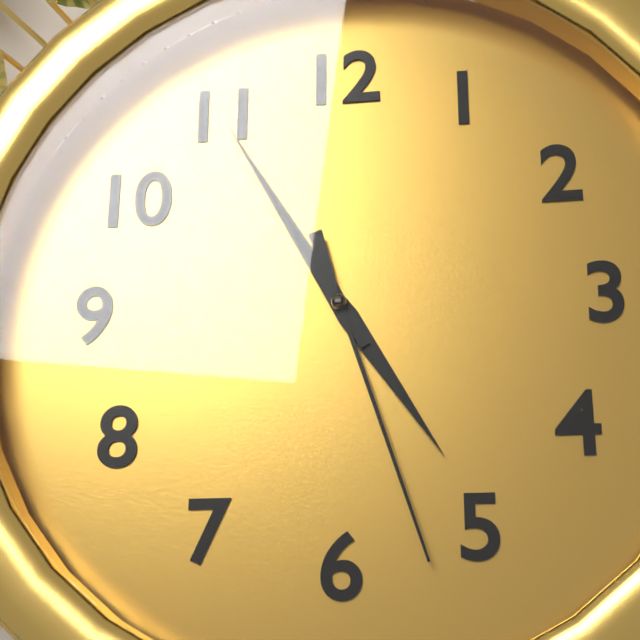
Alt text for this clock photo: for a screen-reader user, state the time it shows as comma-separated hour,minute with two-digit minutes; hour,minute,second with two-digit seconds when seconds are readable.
4,55,27
